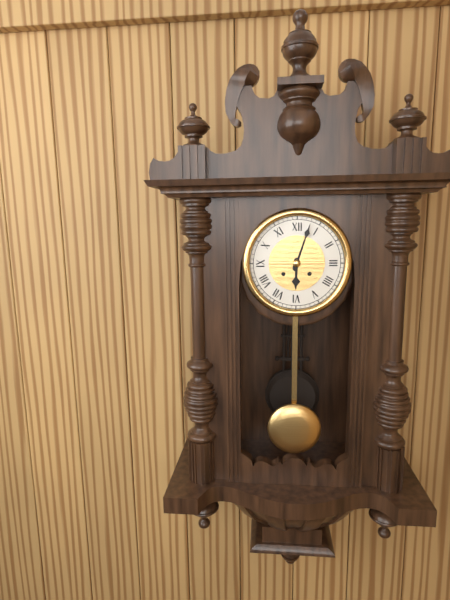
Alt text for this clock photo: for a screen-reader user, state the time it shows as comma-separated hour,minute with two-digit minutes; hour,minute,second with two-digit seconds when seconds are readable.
6,03
